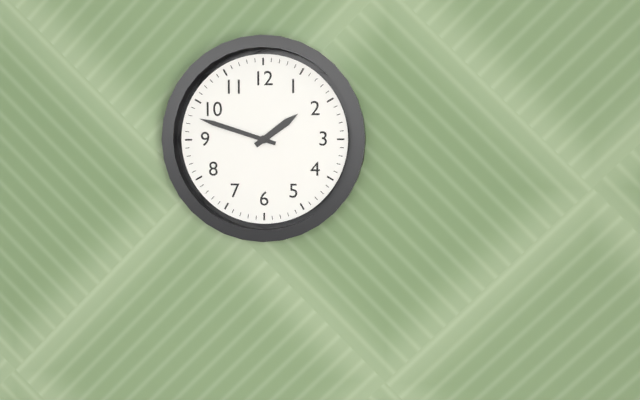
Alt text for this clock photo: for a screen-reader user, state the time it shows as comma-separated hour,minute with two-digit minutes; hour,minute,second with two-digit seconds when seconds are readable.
1,48
